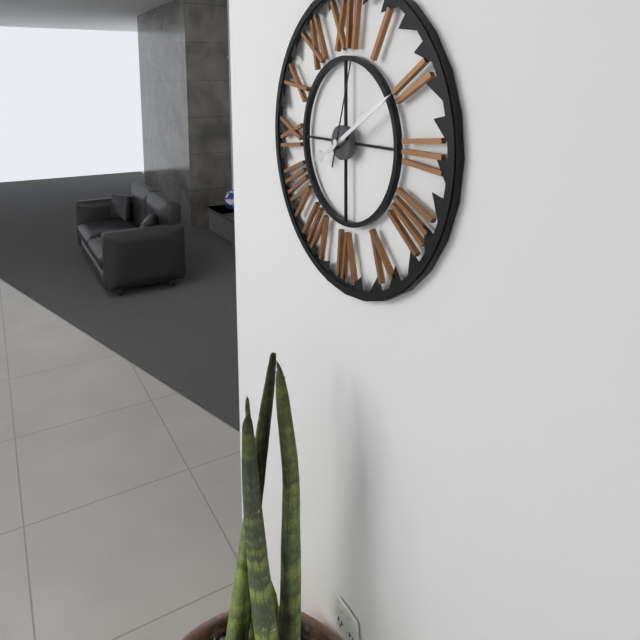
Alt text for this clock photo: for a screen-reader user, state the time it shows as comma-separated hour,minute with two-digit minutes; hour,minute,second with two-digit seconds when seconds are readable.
8,10,03
